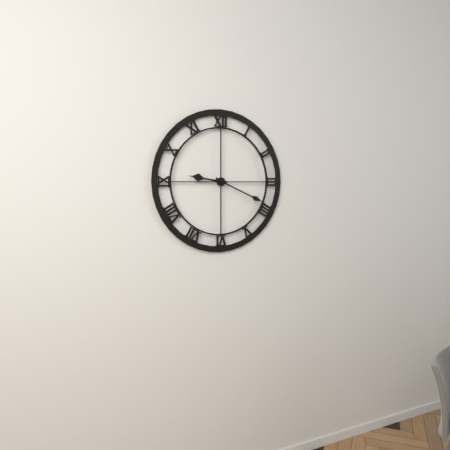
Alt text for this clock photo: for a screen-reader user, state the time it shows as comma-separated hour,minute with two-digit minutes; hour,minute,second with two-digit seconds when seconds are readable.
9,19
